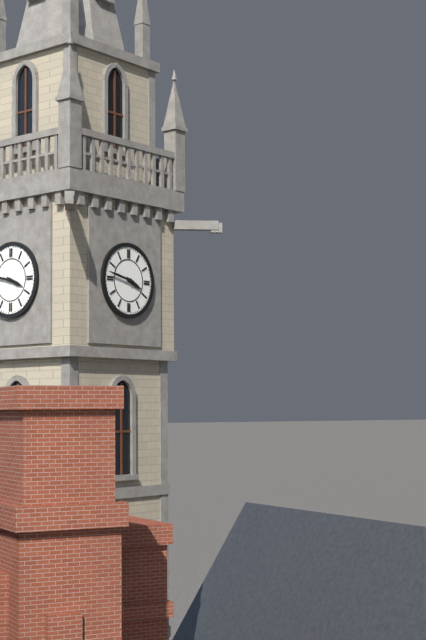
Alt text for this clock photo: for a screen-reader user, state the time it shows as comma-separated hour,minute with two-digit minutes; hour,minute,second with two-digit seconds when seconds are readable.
3,47
